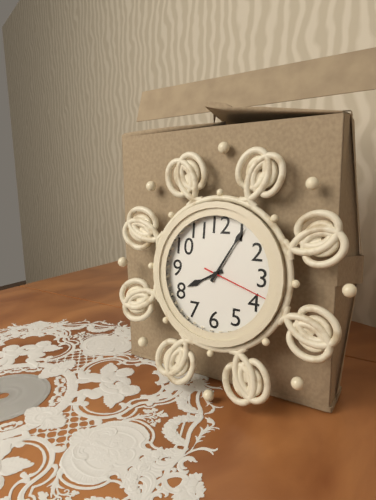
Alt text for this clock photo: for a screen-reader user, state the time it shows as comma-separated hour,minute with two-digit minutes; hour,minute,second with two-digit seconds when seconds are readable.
8,05,18
